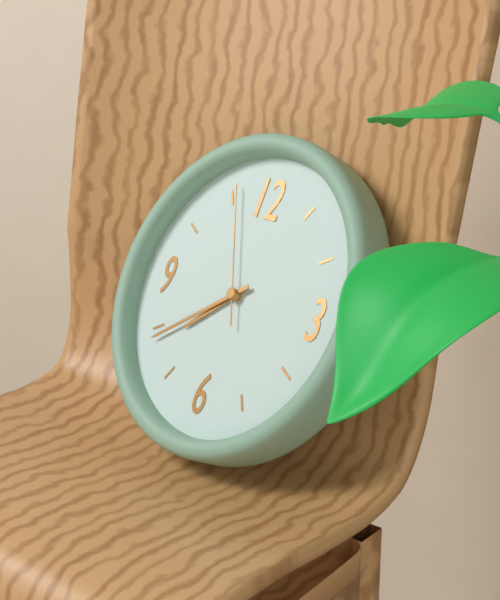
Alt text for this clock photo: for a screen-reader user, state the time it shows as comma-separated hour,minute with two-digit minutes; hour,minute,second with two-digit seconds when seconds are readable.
7,39,56
